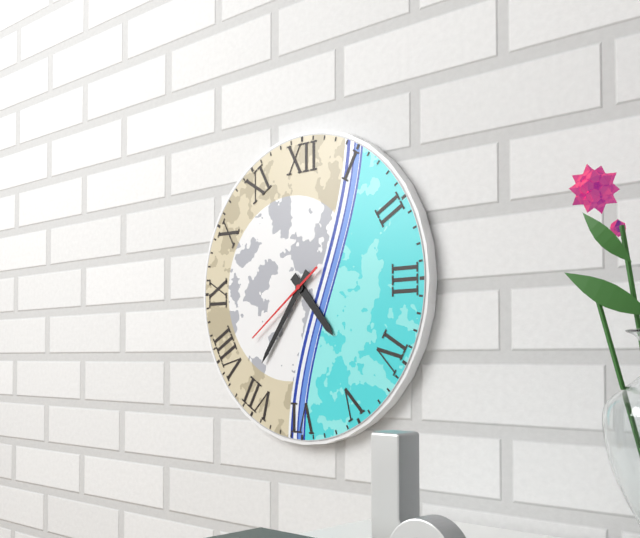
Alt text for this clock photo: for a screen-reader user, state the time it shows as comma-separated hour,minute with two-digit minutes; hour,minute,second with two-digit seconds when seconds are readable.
4,36,39
